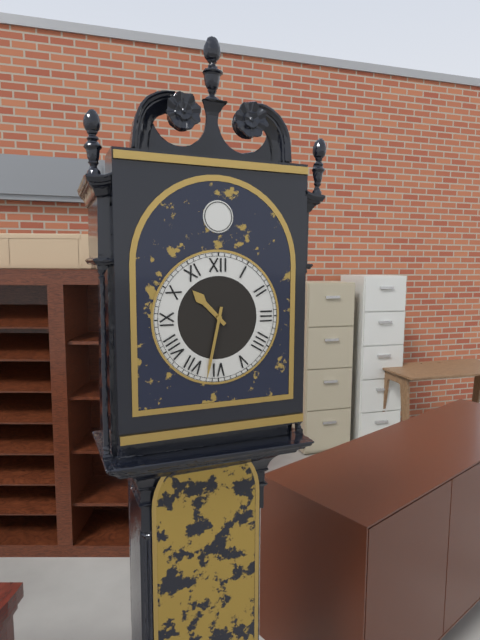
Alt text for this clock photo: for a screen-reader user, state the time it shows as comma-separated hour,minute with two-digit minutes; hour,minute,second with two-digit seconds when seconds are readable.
10,32
